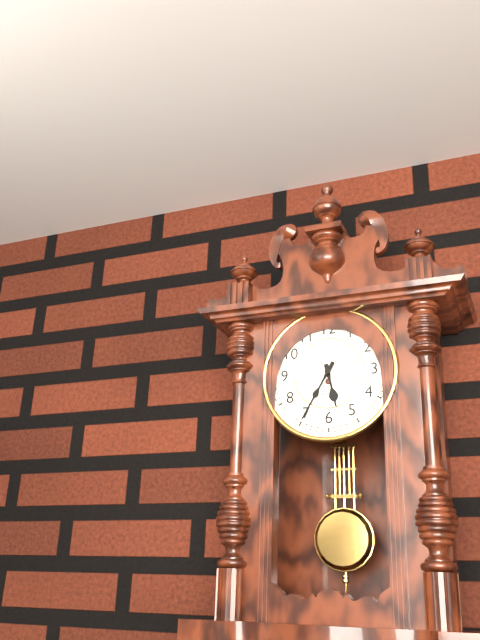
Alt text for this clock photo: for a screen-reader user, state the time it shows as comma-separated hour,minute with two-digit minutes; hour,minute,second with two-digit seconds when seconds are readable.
5,35
